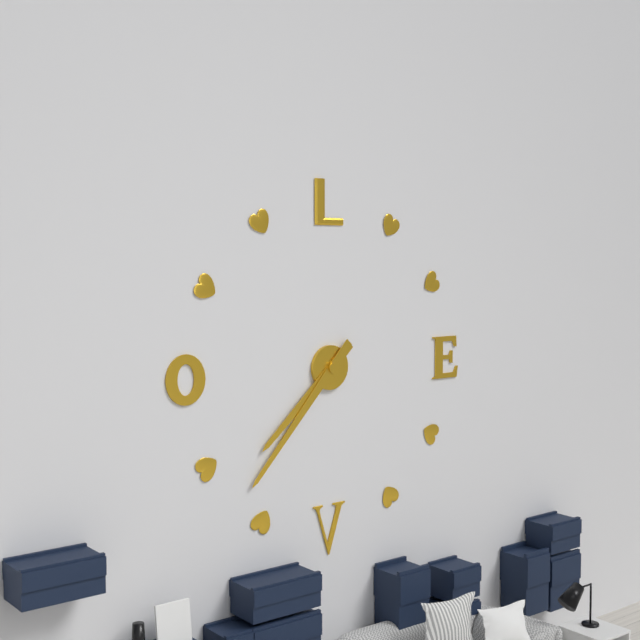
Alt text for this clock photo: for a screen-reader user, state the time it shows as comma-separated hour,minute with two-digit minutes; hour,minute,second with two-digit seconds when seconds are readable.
7,37
